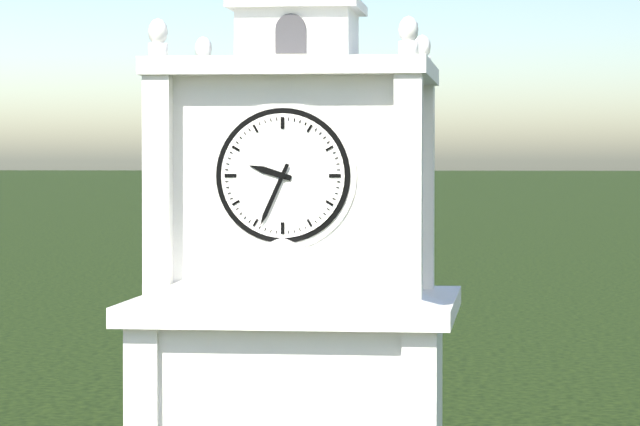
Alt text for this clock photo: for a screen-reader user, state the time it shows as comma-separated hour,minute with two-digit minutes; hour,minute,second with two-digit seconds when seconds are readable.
9,34
